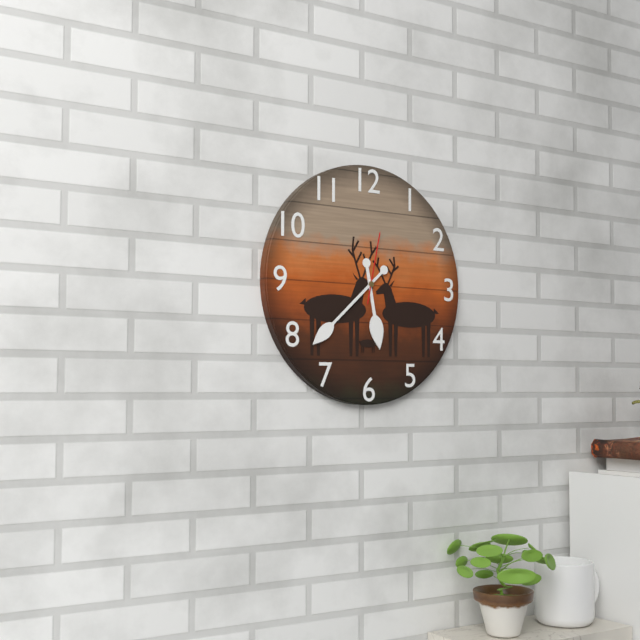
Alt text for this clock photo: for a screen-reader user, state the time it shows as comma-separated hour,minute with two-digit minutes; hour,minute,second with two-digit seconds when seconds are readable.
5,38,02
